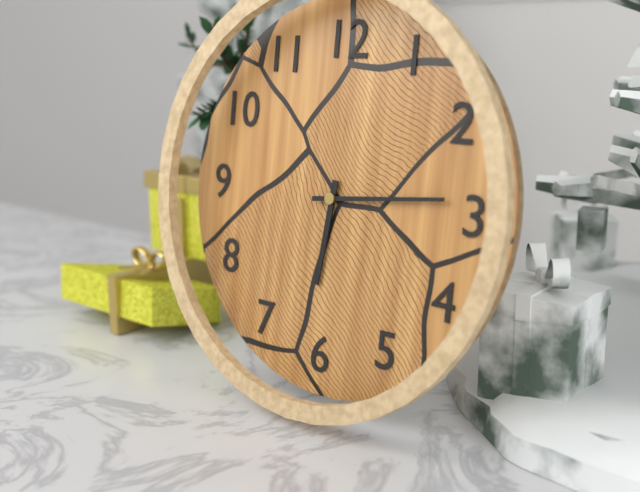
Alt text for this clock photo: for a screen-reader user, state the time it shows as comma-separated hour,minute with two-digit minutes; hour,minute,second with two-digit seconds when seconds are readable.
6,14
